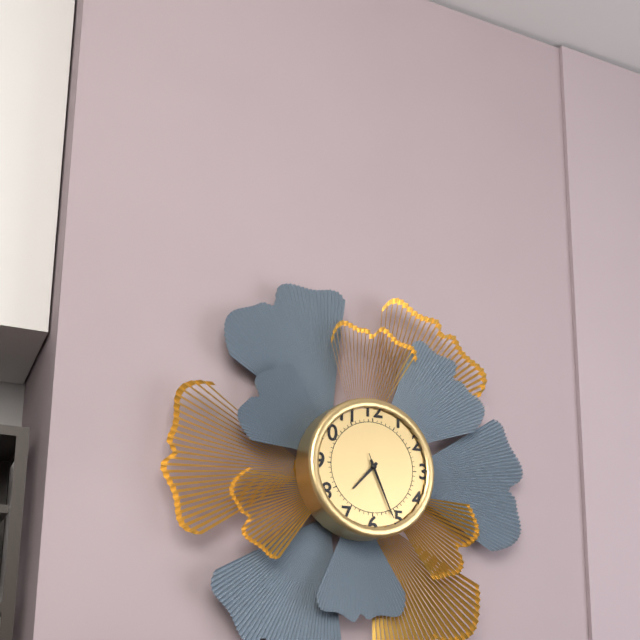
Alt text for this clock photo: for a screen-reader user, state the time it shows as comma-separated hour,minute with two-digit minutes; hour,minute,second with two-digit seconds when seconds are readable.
7,26,26
